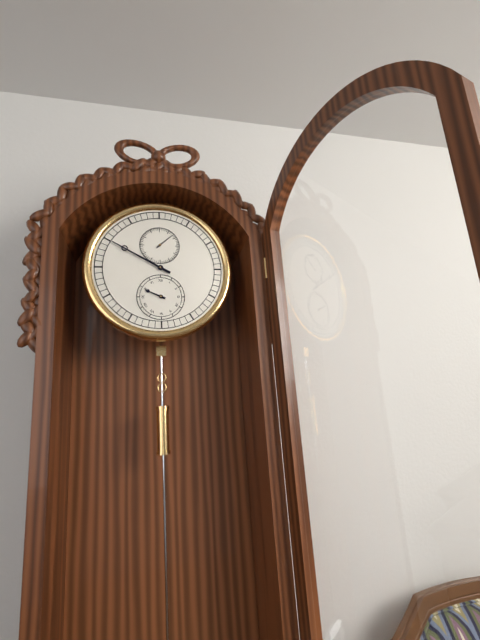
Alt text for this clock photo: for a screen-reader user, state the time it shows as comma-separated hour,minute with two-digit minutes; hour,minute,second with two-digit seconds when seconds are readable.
9,50
